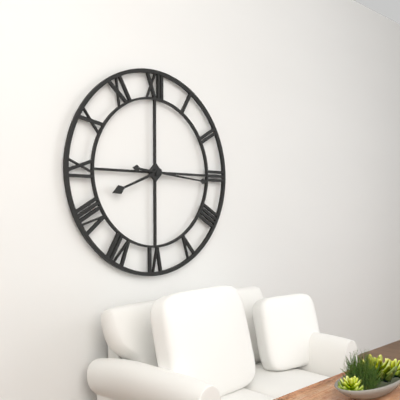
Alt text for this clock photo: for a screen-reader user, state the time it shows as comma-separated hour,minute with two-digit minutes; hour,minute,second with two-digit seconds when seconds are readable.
8,16
